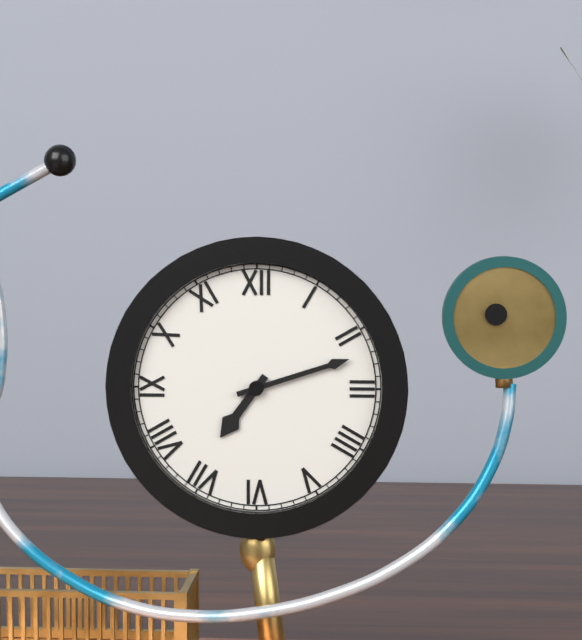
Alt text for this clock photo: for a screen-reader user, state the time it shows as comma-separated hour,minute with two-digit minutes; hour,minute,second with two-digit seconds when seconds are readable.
7,12
